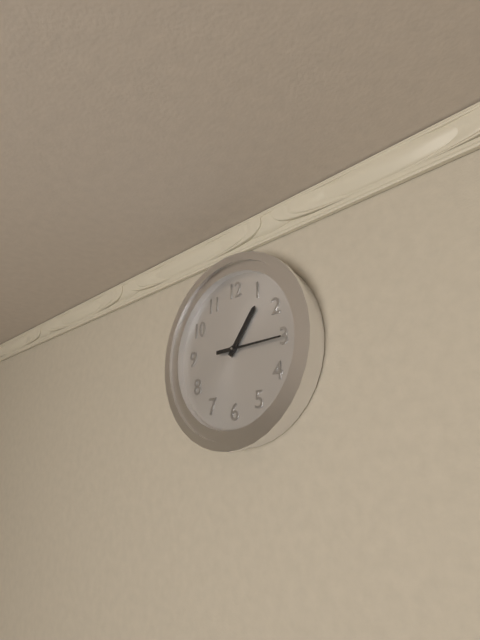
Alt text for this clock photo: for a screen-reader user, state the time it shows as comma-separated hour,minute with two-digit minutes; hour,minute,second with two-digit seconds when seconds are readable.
1,15
